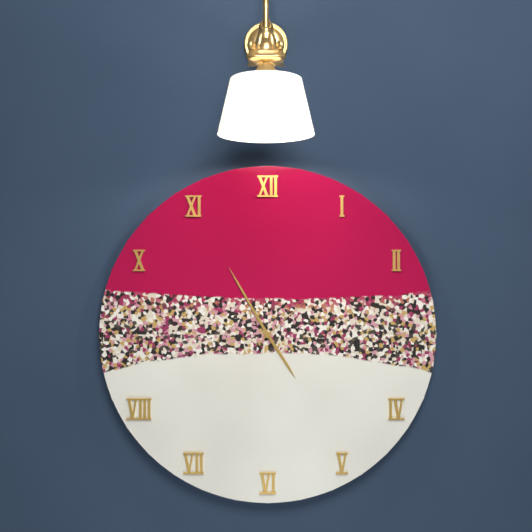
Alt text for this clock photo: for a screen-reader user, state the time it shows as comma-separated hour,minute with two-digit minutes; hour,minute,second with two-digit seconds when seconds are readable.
4,55,08
